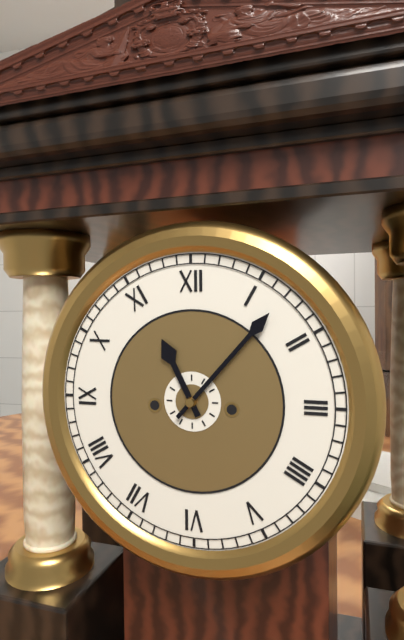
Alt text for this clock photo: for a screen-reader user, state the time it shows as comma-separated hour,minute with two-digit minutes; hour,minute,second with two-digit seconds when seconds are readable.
11,07
